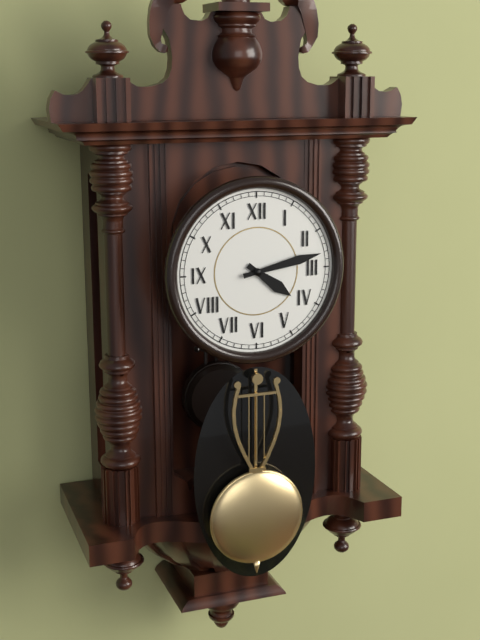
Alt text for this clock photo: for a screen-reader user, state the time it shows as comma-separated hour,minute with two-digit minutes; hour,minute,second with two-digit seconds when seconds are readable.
4,13
